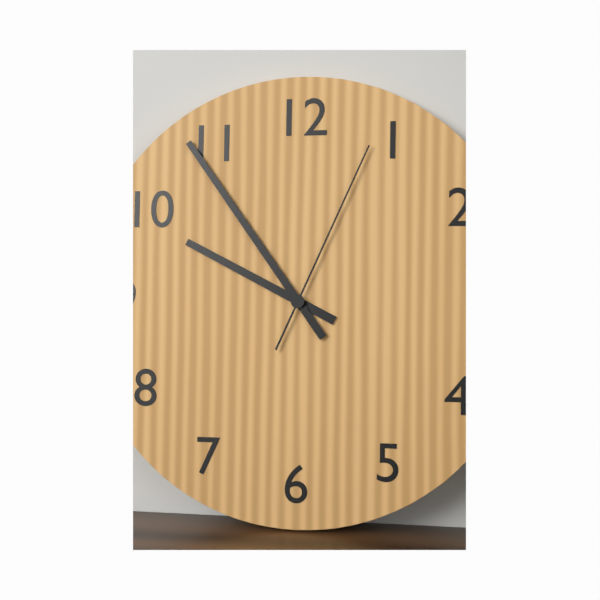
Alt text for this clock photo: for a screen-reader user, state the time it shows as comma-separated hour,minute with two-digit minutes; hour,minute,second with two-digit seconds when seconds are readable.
9,54,04
